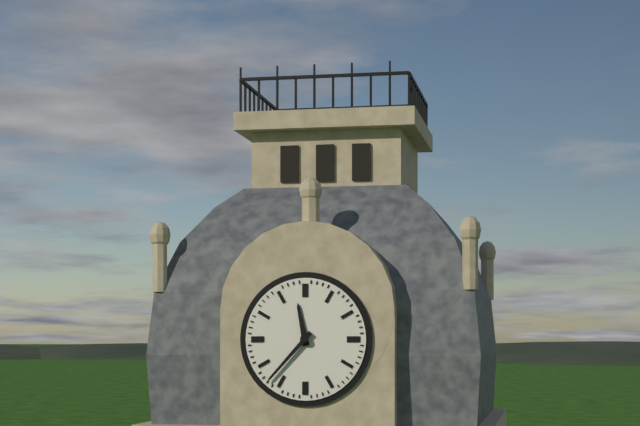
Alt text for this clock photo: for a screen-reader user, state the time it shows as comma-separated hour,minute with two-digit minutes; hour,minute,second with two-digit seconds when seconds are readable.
11,37
